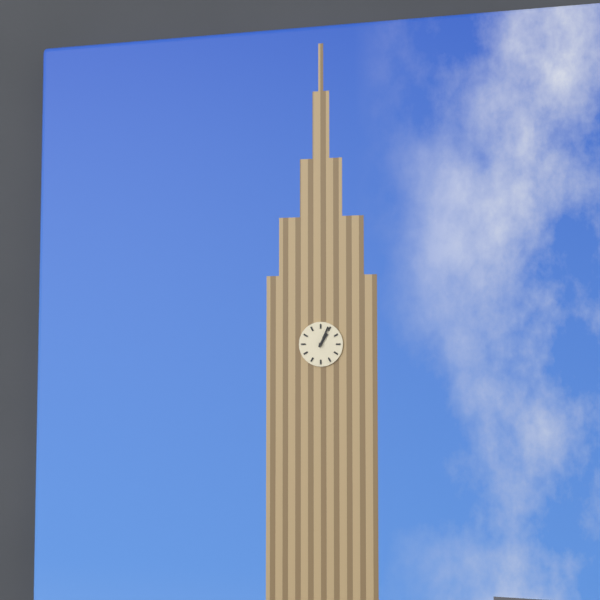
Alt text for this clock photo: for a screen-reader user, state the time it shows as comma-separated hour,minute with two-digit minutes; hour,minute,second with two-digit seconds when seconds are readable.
1,04
